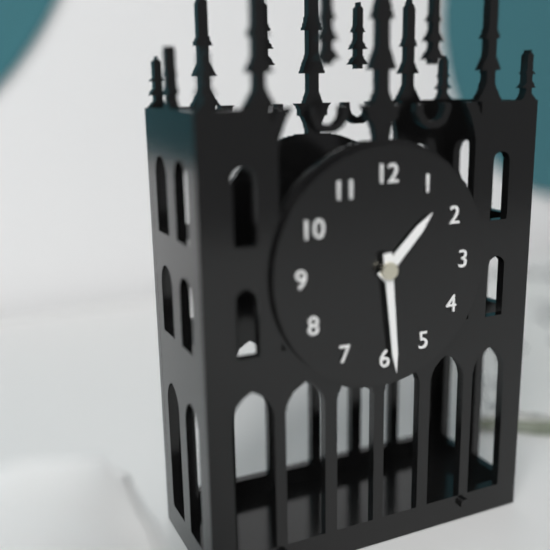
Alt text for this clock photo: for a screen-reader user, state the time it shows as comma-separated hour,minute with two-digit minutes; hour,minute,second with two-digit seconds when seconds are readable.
1,29
